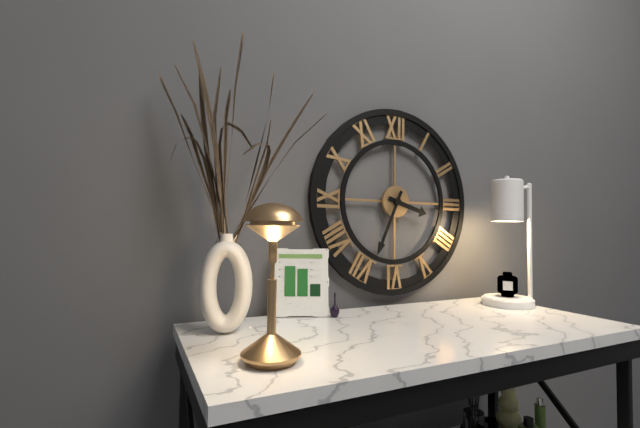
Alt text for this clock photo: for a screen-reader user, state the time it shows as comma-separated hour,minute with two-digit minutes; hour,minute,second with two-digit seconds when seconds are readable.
3,34
